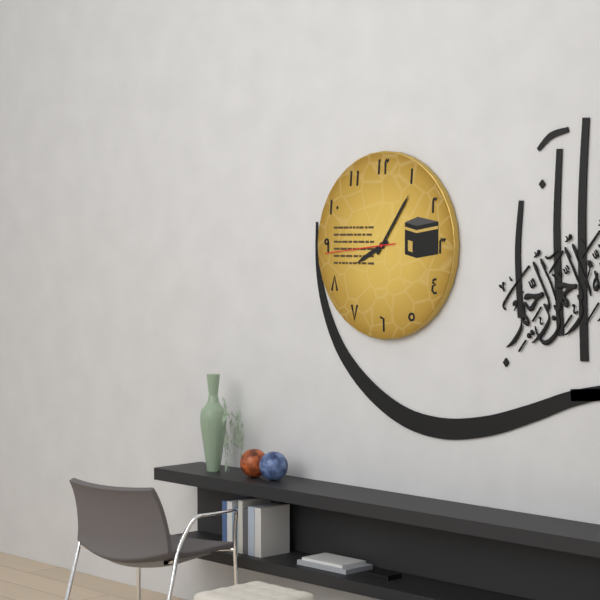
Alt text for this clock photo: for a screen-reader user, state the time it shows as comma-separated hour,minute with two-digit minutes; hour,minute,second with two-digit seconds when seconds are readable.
8,06,44
